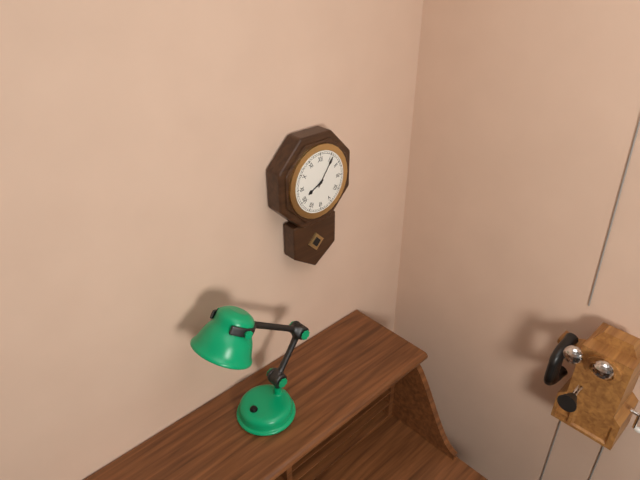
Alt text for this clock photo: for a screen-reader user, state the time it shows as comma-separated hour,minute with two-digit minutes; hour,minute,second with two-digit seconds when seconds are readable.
8,06
